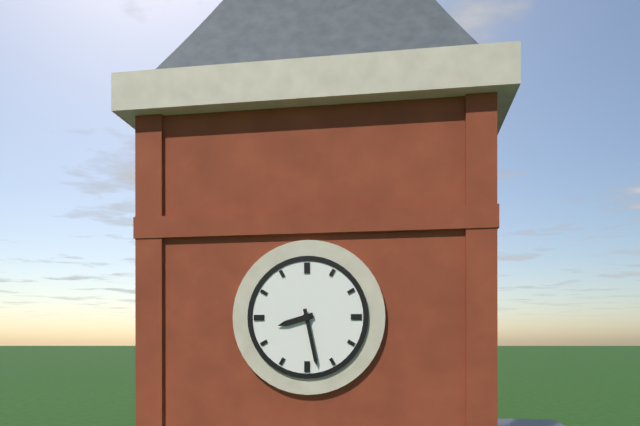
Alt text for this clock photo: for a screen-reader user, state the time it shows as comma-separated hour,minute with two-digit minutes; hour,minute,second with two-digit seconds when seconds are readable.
8,28
